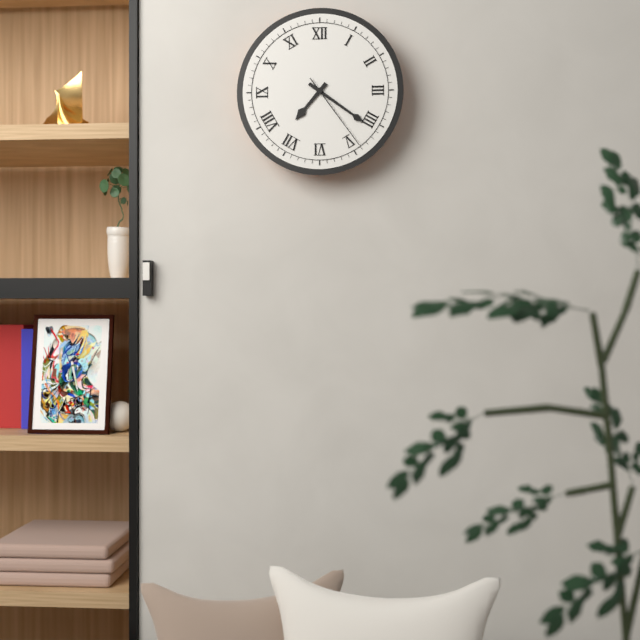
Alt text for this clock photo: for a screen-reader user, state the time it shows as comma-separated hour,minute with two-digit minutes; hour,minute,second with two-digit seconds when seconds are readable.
7,21,24
